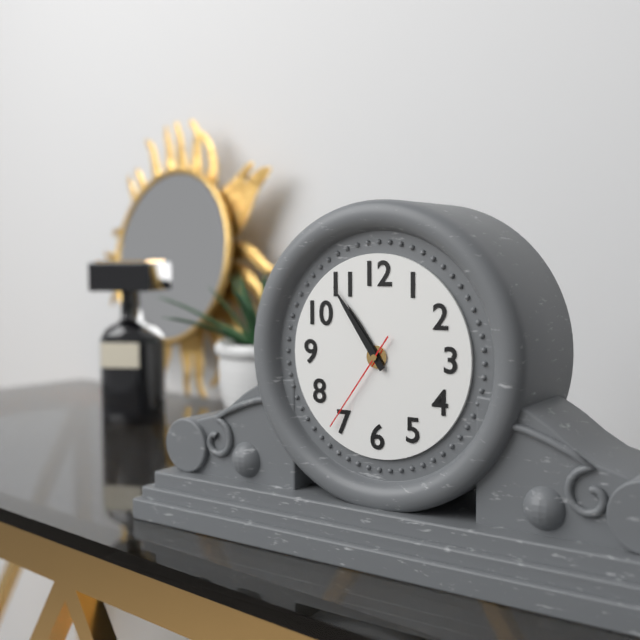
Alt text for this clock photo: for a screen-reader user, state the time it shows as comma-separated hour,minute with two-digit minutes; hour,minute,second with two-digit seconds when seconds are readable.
10,54,36
